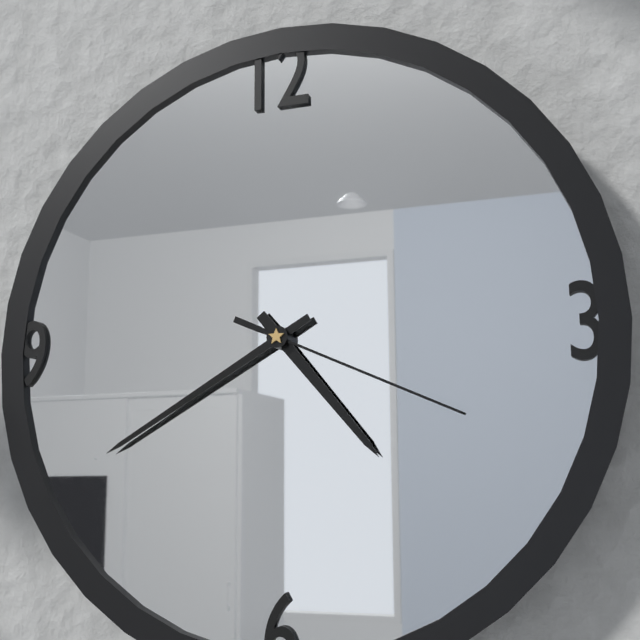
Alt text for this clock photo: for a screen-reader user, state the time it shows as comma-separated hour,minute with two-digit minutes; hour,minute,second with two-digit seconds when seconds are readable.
4,40,19
